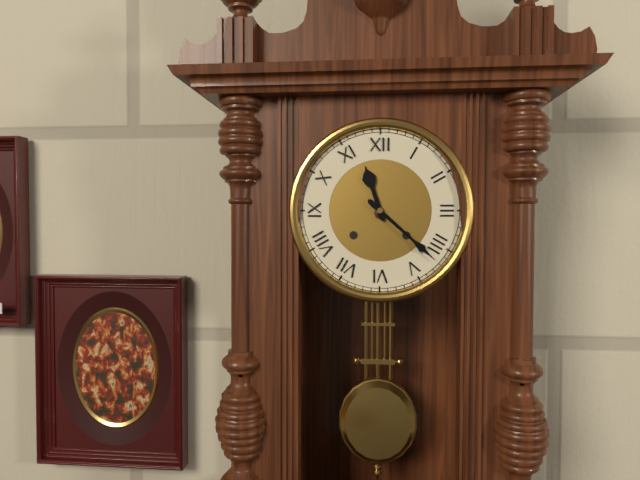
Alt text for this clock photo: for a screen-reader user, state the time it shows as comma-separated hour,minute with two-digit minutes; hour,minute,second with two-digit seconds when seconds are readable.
11,22
